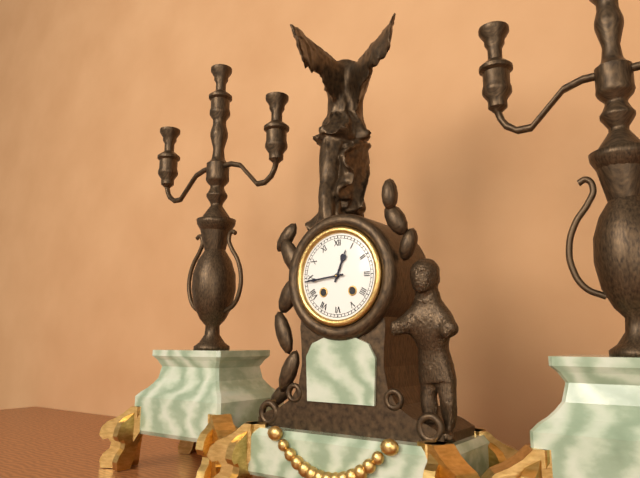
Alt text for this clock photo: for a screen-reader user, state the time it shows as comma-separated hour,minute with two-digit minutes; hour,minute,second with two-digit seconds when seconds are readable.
12,44
